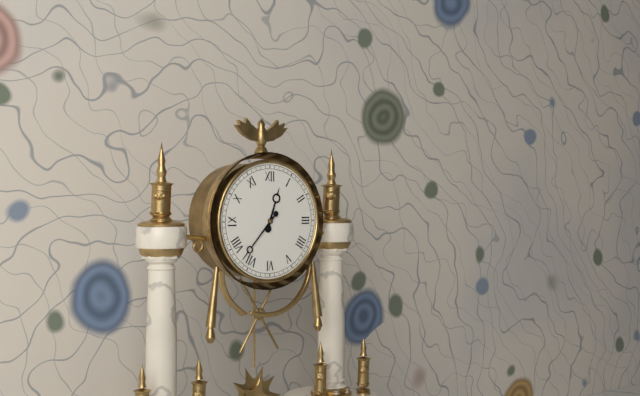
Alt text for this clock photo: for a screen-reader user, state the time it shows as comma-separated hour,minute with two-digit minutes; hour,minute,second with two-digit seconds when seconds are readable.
12,37
